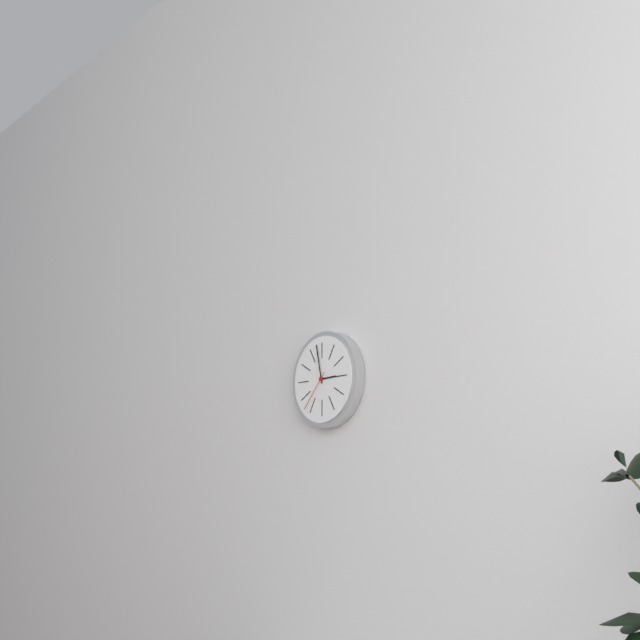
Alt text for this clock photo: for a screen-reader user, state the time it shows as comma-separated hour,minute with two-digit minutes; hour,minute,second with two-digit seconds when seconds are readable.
2,58
